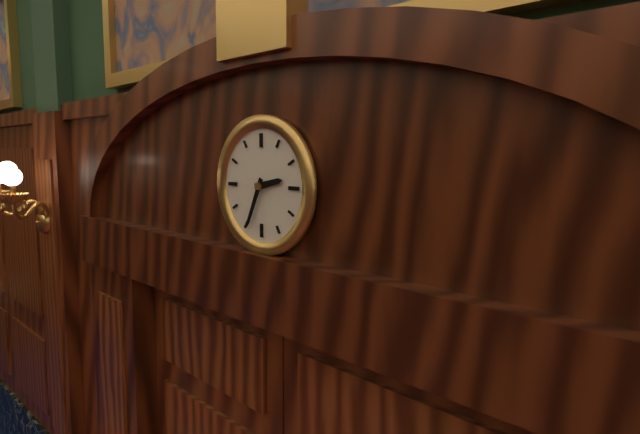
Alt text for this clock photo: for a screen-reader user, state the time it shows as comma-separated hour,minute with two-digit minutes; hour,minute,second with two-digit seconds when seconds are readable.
2,34
